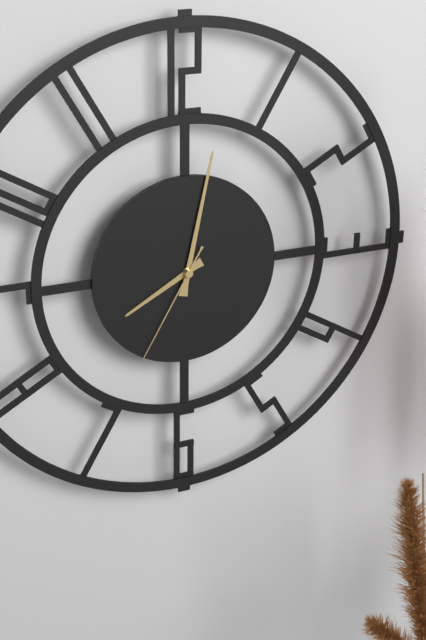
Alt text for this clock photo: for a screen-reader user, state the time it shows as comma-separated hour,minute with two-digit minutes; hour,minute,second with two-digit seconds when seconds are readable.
8,02,35
